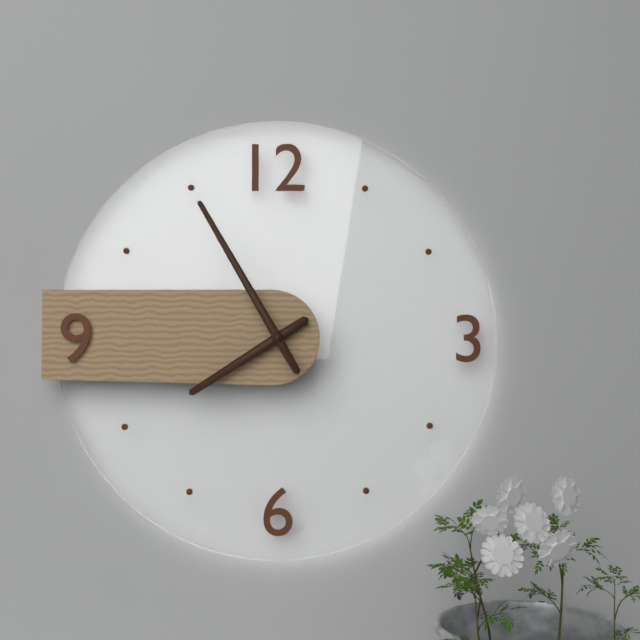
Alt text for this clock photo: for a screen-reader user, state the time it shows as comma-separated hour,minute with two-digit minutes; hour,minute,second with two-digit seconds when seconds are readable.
7,55
